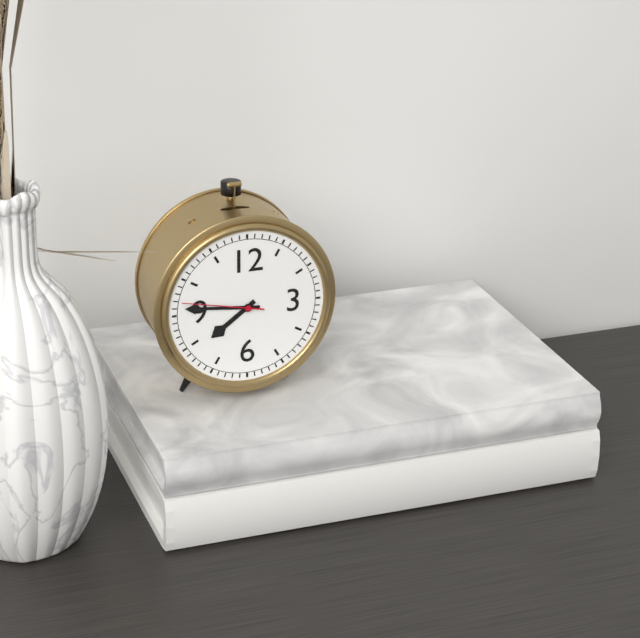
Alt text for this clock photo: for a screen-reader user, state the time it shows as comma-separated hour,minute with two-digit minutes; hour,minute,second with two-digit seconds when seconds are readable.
7,46,47
